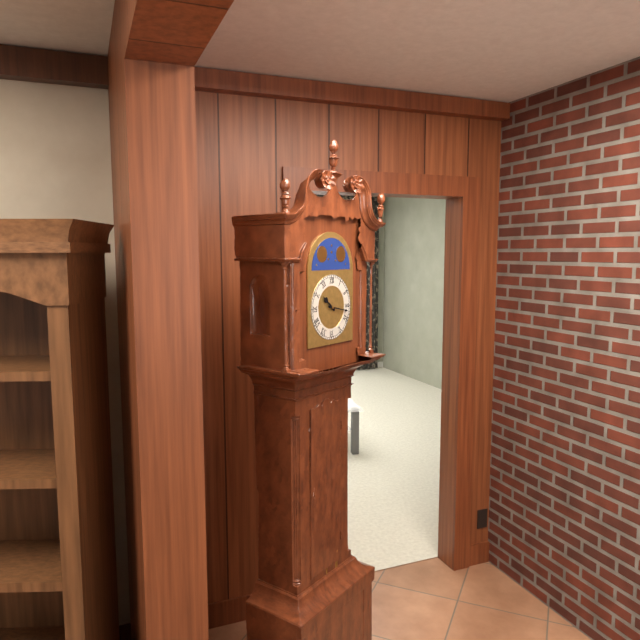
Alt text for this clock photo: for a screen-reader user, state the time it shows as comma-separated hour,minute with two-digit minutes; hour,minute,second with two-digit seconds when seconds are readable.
10,17
